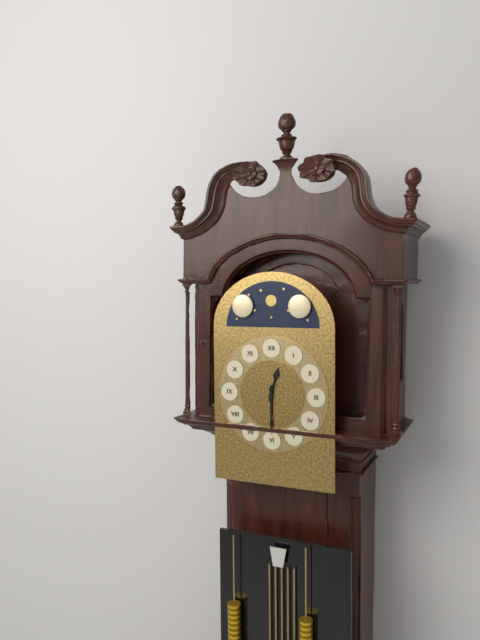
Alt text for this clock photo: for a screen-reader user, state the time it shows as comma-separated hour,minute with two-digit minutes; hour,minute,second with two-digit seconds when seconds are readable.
12,30
